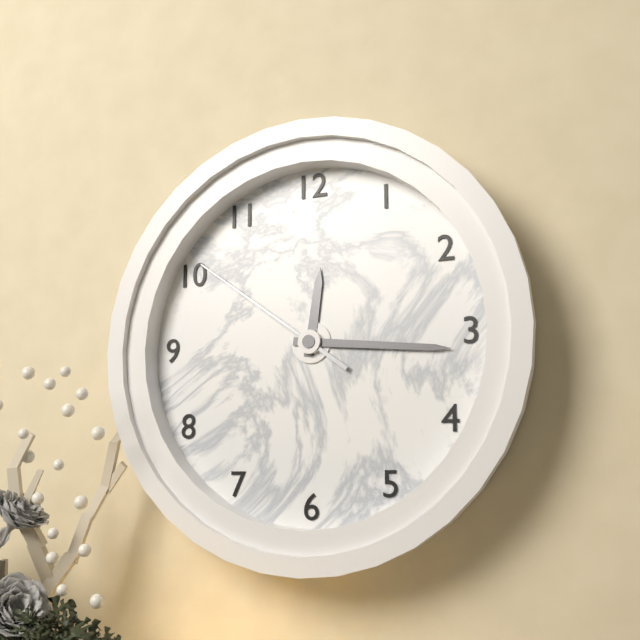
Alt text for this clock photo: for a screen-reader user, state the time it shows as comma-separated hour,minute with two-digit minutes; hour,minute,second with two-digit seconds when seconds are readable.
12,16,51
